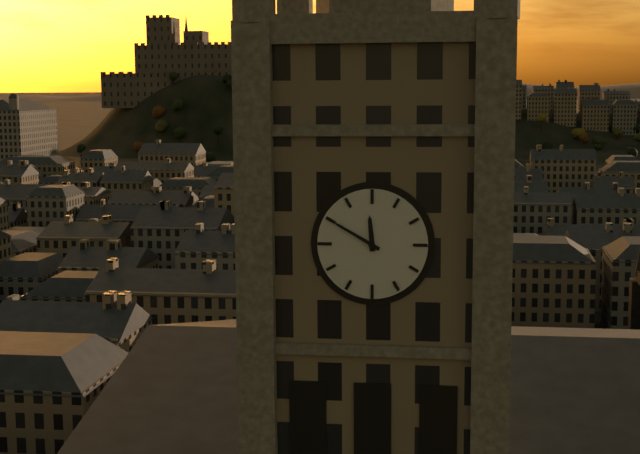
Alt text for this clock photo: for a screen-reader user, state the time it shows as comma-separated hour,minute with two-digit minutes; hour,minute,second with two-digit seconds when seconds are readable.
11,50
